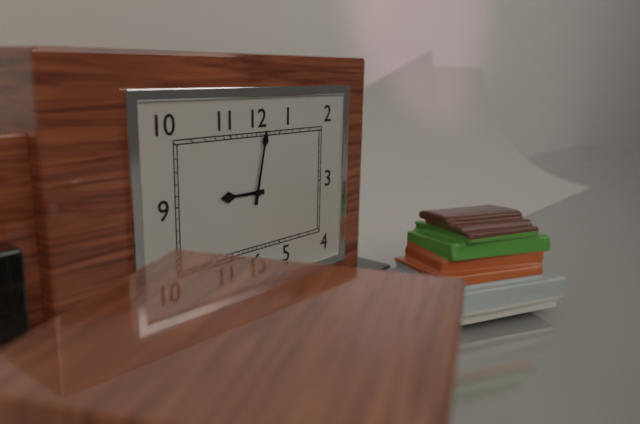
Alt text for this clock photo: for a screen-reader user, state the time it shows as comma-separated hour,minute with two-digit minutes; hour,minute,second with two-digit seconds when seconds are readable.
9,02
